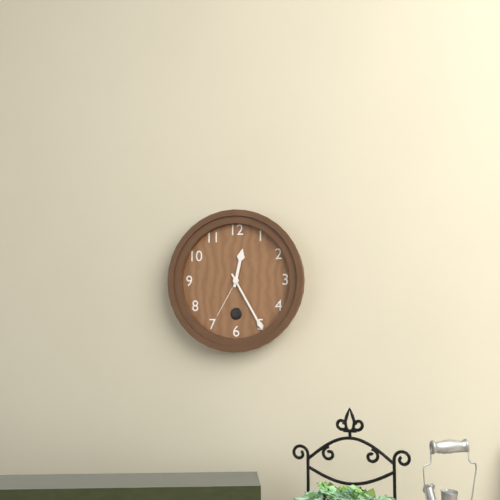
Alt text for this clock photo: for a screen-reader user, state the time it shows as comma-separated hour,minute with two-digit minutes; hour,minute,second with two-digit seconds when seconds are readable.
12,25
